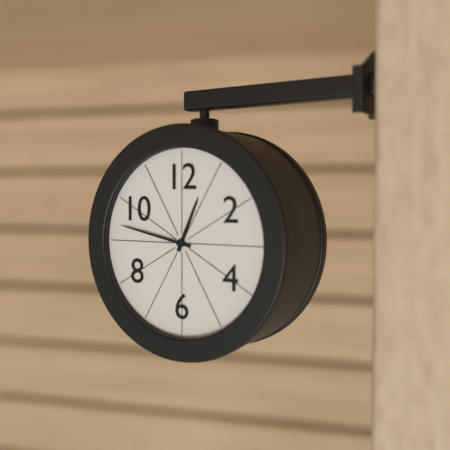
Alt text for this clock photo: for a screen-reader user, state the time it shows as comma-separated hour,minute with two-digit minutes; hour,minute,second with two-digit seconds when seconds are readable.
12,47
